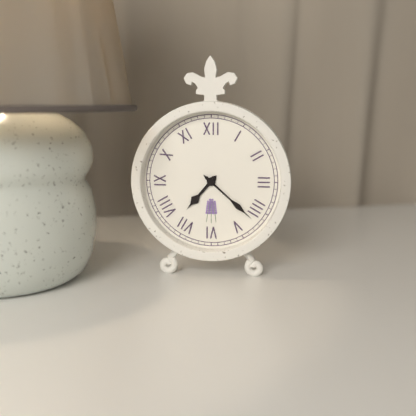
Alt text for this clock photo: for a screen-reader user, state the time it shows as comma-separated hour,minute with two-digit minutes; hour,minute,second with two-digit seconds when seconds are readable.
7,22
